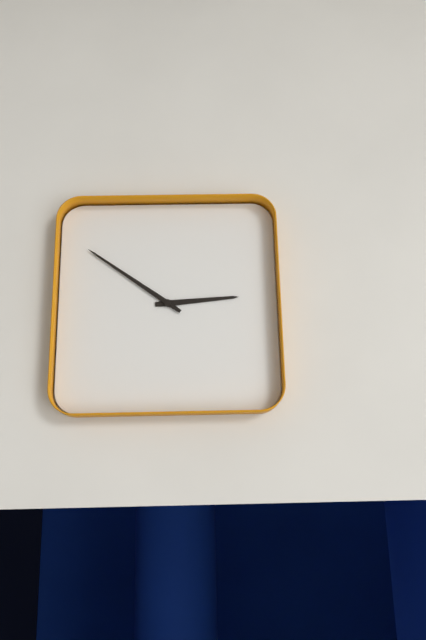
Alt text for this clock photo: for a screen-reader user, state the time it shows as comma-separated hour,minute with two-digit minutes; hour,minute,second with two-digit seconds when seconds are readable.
2,51
